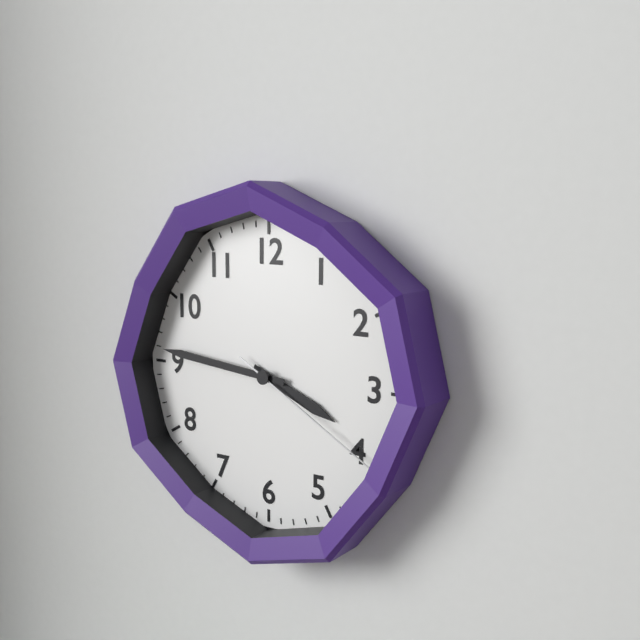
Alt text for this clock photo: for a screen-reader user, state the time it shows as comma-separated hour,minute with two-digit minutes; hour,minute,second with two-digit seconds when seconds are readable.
3,46,20
